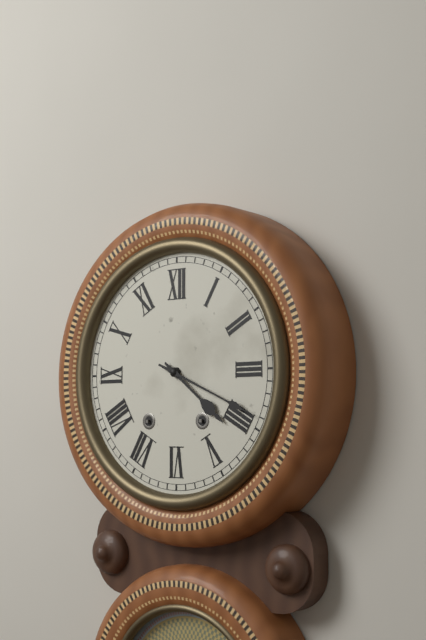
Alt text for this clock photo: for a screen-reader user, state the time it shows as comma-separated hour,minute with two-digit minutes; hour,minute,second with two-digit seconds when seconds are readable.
4,19
